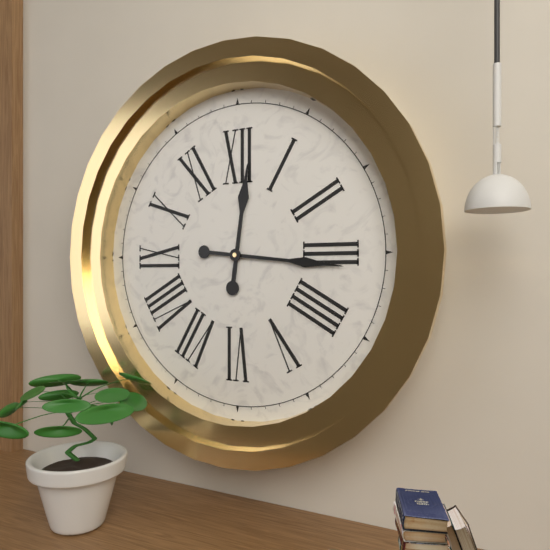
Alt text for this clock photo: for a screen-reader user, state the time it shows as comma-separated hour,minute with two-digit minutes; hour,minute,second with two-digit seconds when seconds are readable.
12,16
